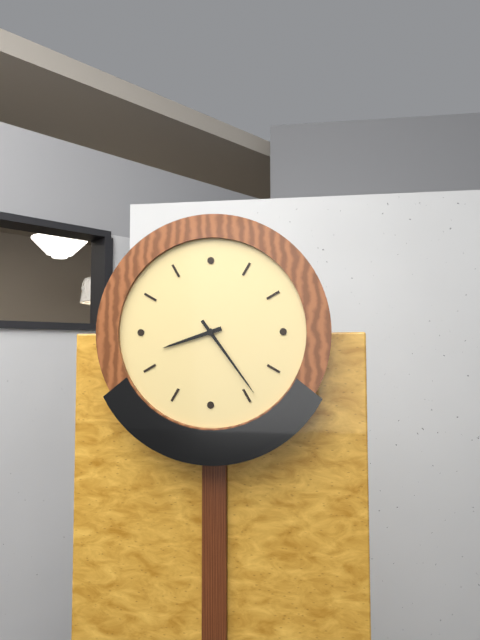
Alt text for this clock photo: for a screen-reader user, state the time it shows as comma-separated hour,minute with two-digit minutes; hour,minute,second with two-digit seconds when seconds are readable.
8,24
